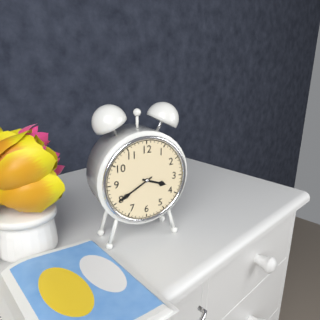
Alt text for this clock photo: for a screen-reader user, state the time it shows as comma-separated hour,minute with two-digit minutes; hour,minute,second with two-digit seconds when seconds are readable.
3,40
